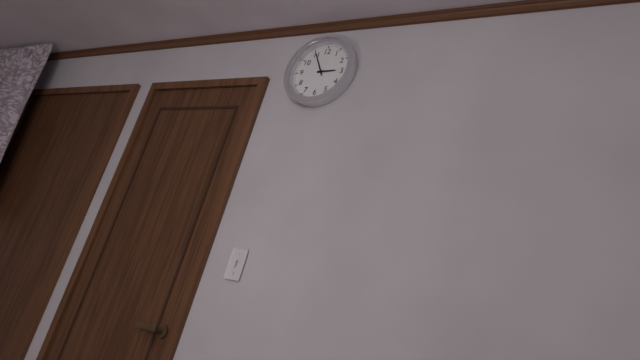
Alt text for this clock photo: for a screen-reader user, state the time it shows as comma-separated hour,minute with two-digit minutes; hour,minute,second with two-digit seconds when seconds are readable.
2,55
